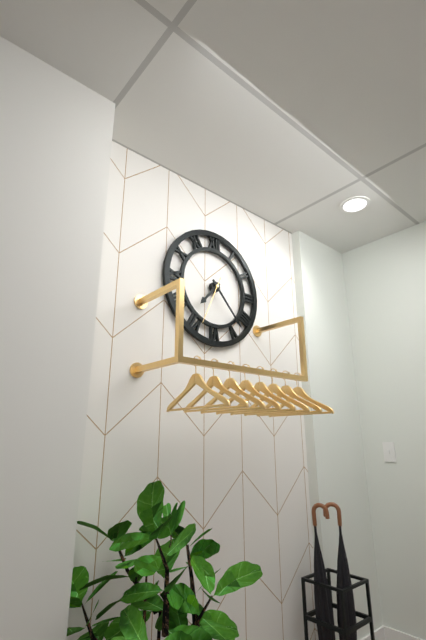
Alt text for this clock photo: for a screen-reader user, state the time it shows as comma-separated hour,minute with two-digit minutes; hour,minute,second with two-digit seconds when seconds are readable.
7,23
